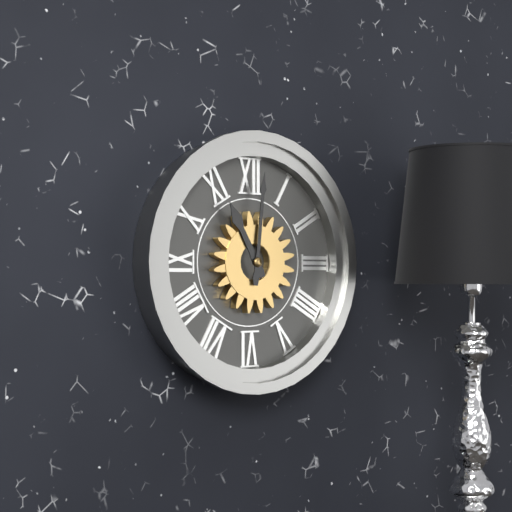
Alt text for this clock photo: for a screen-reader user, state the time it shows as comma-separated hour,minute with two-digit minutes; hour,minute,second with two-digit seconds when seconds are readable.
11,01
